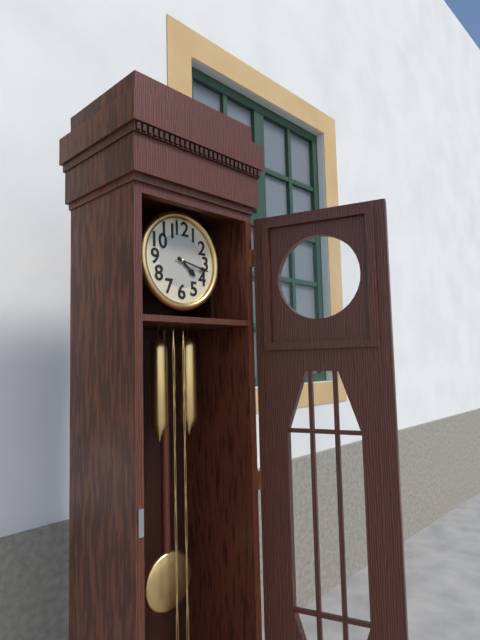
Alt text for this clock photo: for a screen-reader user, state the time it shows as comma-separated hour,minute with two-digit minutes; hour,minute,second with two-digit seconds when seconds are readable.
4,17
